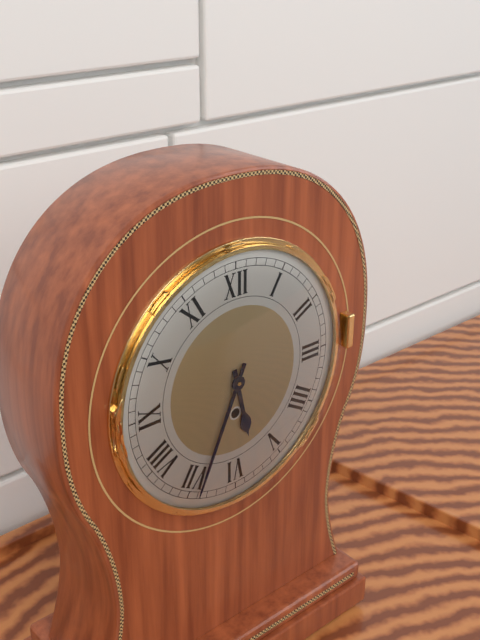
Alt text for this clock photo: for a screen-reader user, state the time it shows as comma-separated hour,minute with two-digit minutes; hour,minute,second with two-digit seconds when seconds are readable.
5,34
